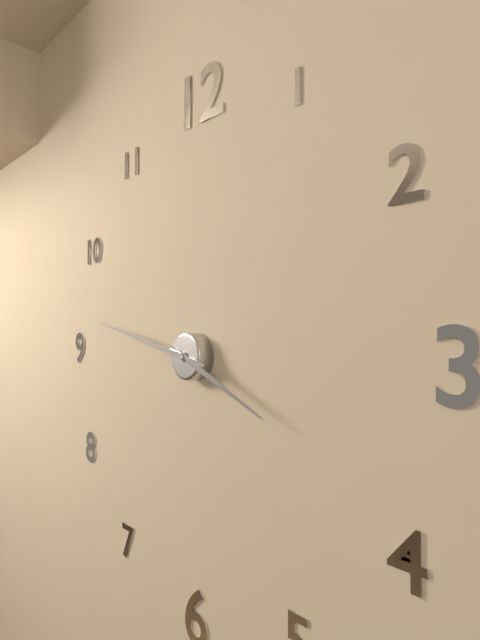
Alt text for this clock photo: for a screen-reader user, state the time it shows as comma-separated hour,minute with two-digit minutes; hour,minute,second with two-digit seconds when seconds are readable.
3,47
